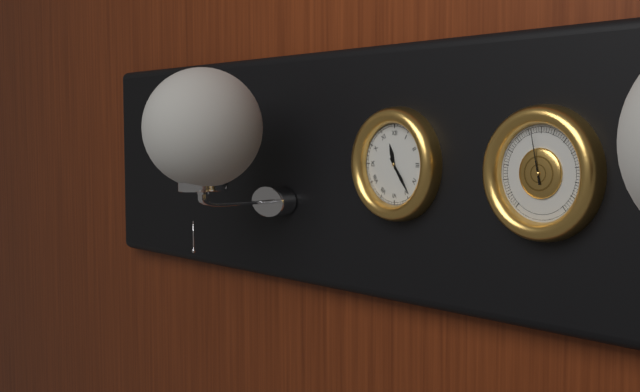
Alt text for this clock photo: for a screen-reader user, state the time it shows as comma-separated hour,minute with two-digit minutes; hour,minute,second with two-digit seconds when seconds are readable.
11,24
